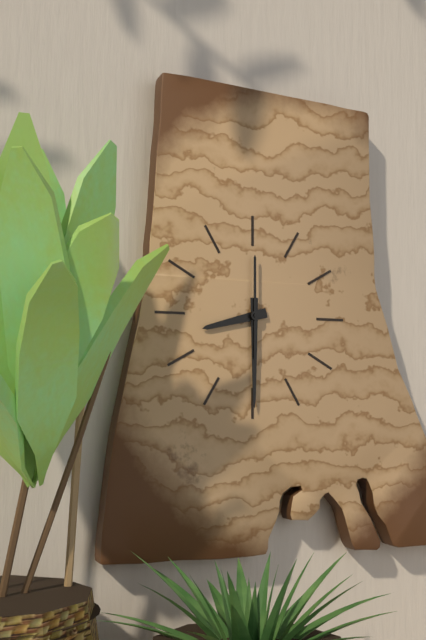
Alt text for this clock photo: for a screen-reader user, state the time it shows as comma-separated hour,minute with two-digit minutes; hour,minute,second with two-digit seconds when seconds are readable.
8,30,00
